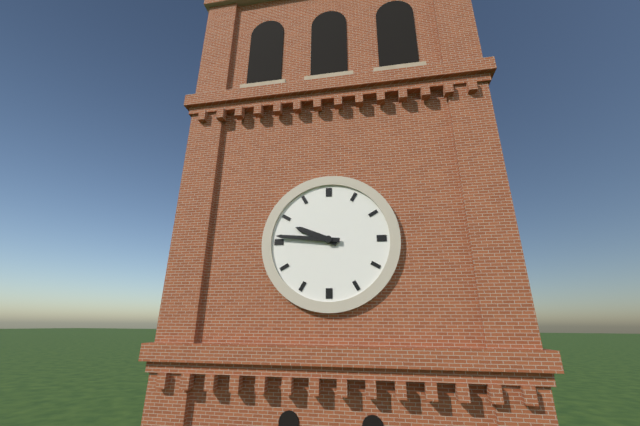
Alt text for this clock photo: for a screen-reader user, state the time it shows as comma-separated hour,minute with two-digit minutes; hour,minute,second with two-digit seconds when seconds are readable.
9,46
